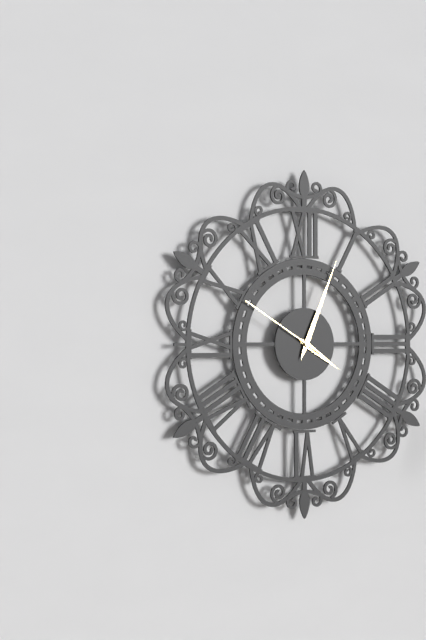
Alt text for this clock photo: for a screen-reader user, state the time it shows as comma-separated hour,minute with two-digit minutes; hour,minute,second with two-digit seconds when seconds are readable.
4,04,50
